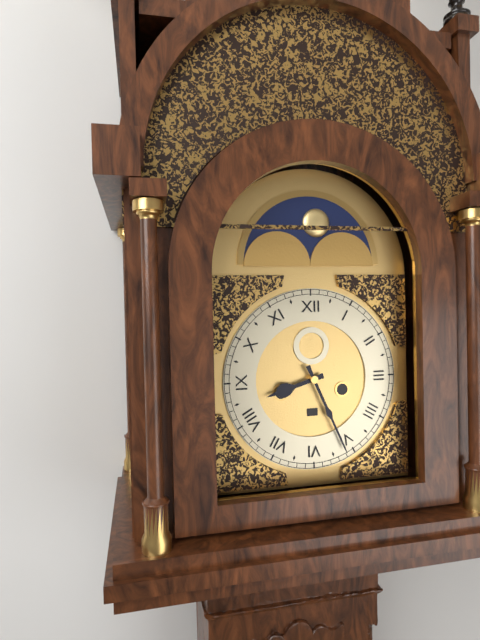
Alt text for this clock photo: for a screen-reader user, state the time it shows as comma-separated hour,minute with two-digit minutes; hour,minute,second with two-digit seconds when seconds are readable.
8,26
